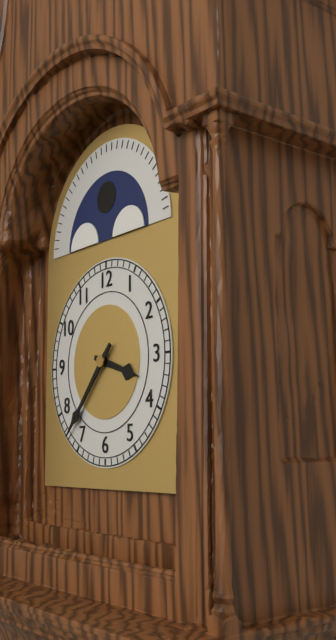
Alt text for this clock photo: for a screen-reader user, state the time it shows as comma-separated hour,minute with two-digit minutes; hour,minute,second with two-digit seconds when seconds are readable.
3,37
